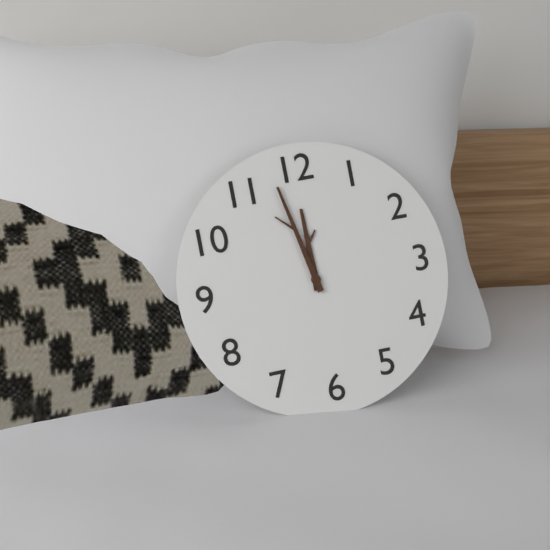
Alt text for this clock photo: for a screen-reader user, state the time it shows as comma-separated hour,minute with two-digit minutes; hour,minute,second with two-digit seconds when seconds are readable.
11,58
